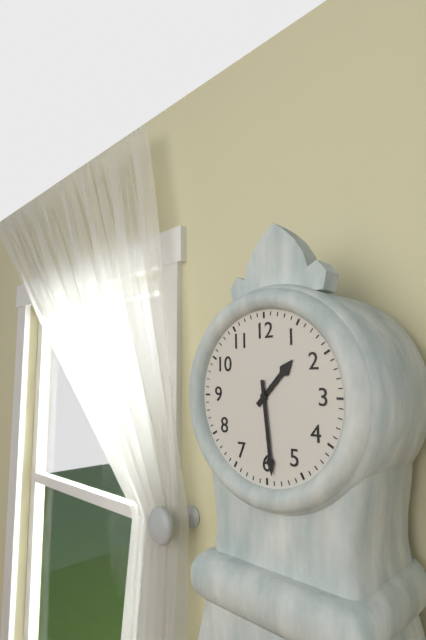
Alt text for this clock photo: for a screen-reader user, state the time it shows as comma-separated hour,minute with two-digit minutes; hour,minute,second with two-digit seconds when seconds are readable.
1,29
